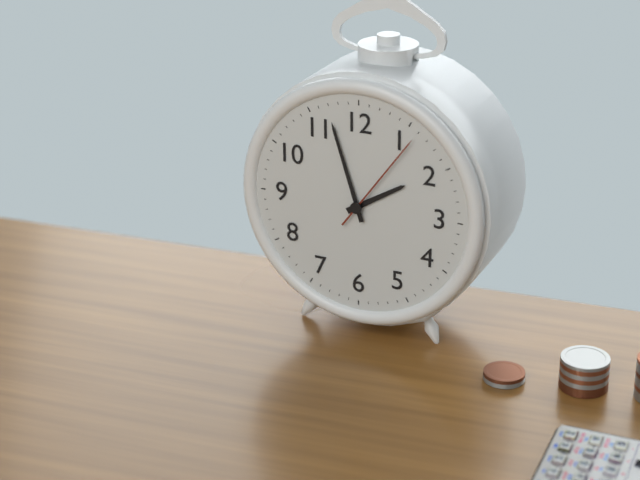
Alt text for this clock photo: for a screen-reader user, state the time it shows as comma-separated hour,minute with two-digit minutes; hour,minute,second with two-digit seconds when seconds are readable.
1,57,06
